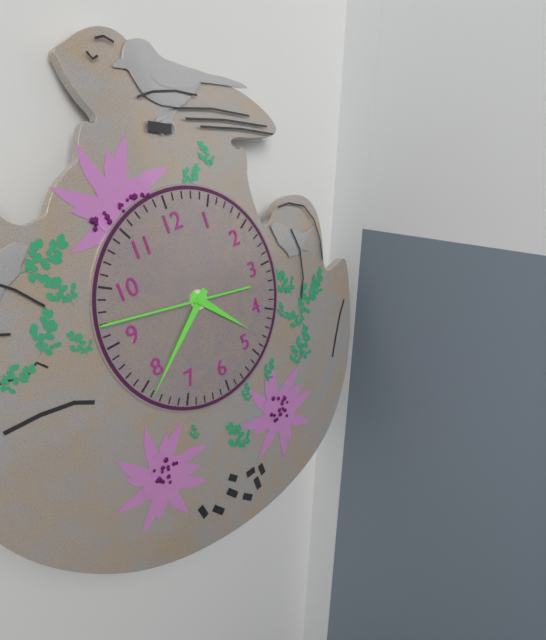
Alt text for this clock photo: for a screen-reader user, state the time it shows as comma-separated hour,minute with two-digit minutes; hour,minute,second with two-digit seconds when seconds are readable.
4,39,47
